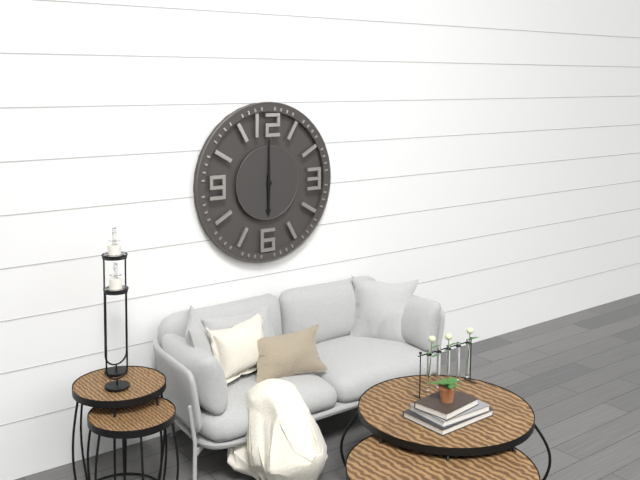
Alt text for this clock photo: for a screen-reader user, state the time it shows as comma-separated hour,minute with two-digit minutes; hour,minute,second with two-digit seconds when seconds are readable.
6,00
